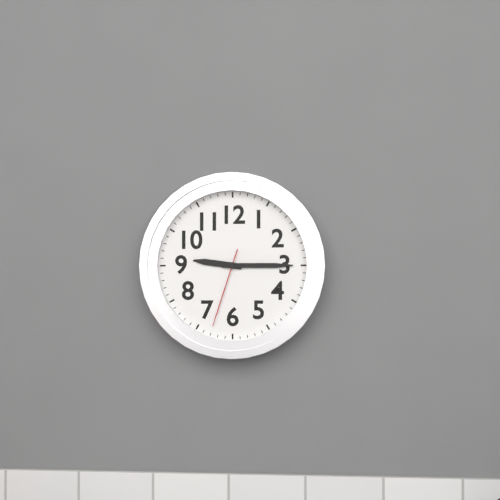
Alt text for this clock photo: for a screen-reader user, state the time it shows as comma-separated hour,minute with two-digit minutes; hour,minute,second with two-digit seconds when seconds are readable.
9,15,33
